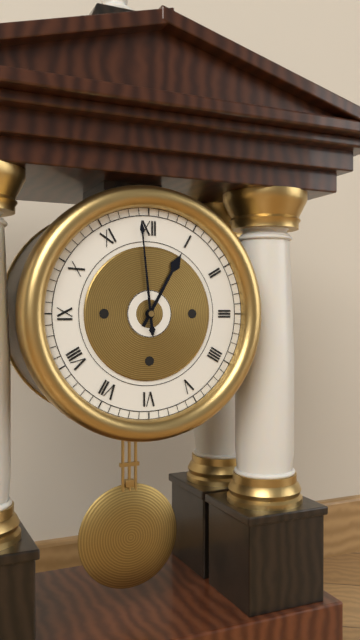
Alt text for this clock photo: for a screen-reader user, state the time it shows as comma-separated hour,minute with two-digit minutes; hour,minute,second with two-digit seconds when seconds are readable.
12,59
